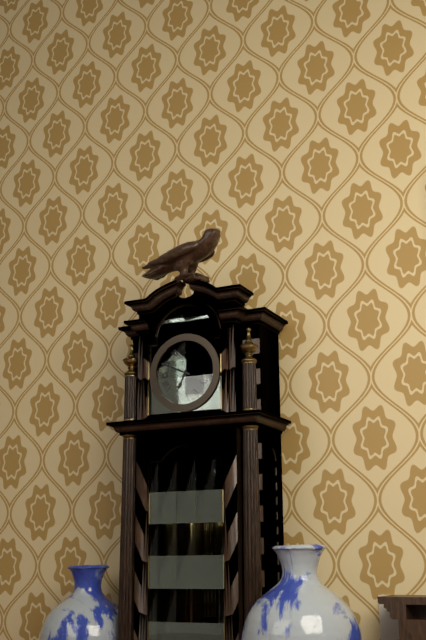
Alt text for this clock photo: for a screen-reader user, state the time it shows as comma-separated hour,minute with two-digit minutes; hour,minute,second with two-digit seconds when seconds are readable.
6,49
